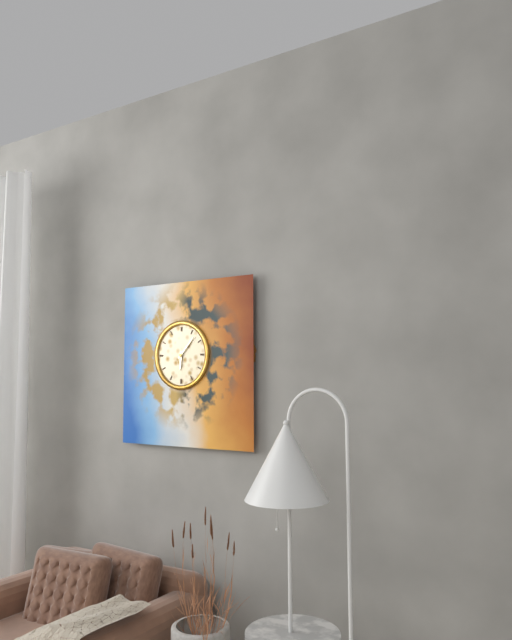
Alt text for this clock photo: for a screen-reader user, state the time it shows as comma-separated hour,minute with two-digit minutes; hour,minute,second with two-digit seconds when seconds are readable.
6,07
